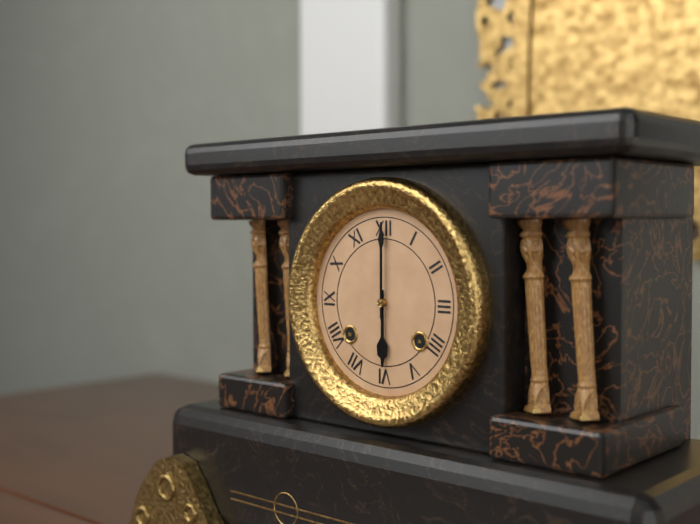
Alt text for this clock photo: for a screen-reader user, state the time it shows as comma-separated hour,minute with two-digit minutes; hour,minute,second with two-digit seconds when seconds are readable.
6,00
